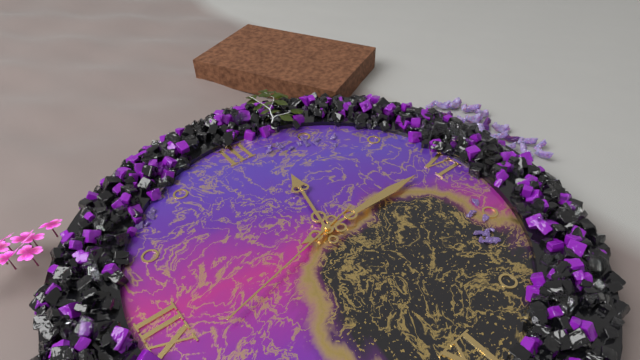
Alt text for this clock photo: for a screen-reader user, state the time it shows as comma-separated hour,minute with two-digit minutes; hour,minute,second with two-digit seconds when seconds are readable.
3,30,58
